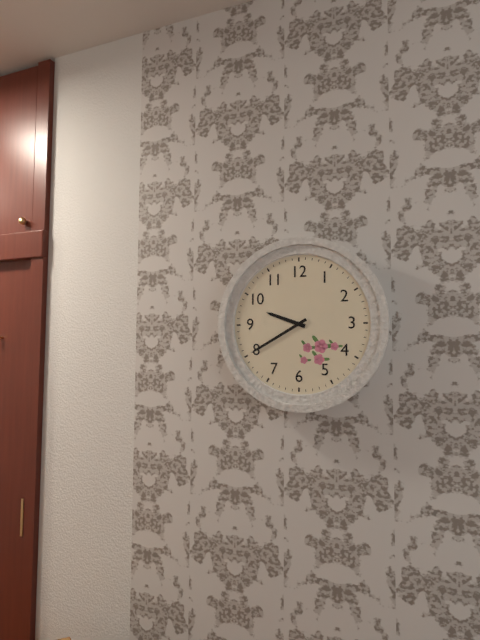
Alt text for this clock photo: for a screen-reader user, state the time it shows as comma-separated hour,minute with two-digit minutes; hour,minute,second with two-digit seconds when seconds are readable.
9,40
